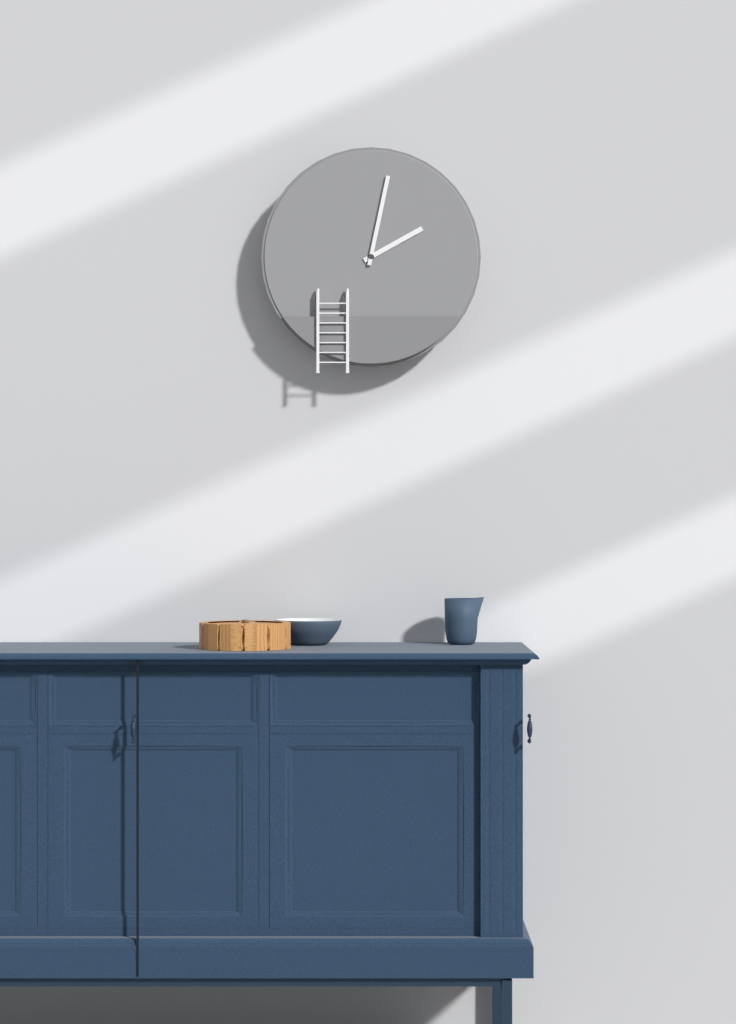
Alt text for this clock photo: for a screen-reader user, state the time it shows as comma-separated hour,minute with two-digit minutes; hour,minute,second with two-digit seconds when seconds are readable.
2,02
